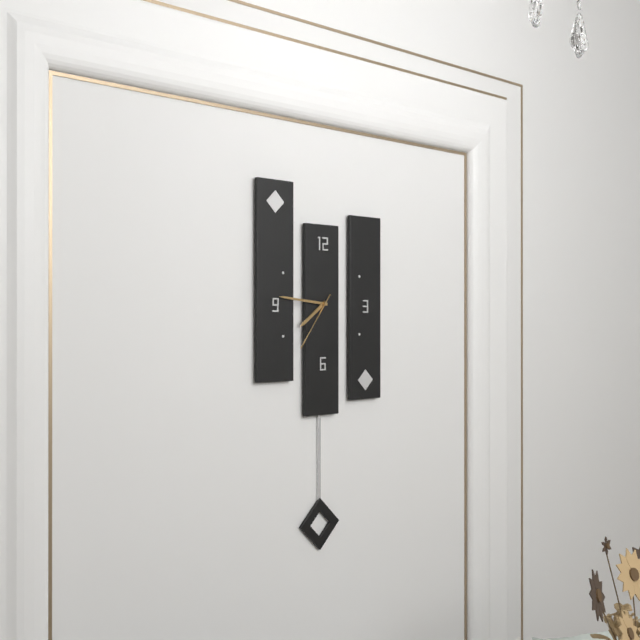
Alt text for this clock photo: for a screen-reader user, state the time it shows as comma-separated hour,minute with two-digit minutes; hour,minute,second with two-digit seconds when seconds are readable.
7,46,36
